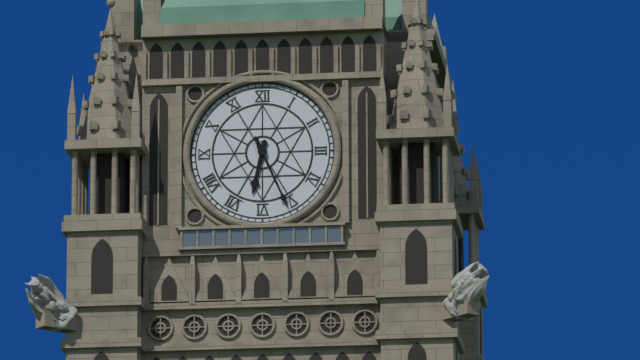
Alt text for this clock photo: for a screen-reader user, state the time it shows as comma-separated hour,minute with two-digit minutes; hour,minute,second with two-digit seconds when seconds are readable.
6,26
